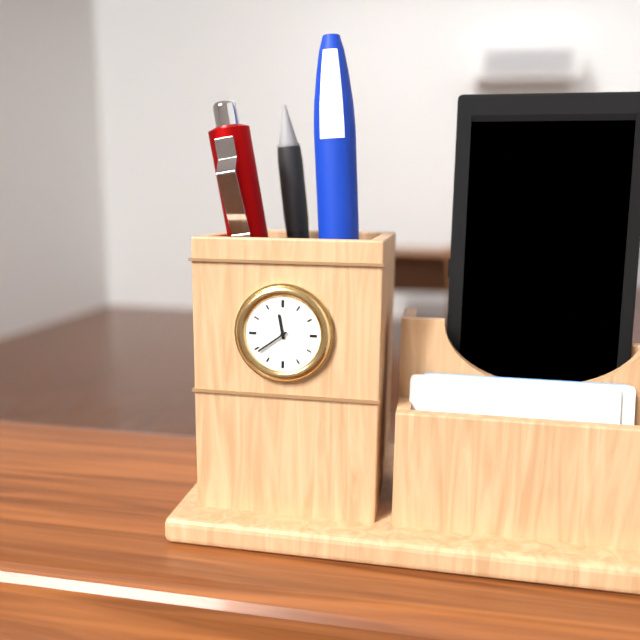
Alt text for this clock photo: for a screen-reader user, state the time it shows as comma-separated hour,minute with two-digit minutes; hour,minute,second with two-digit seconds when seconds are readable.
11,39
